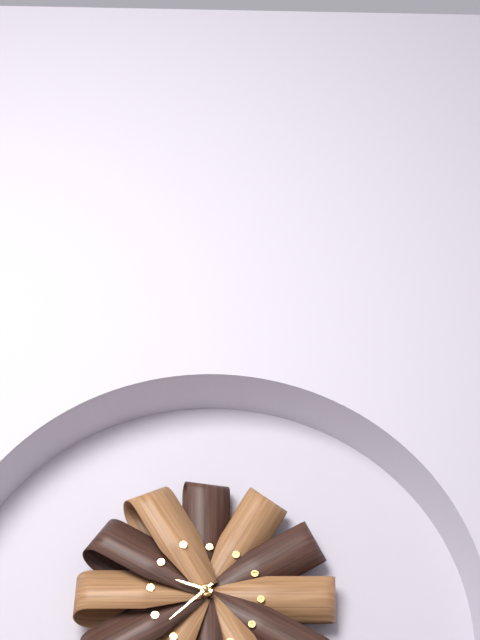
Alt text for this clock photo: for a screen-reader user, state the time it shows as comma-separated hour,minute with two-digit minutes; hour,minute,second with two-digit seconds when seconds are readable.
9,38
